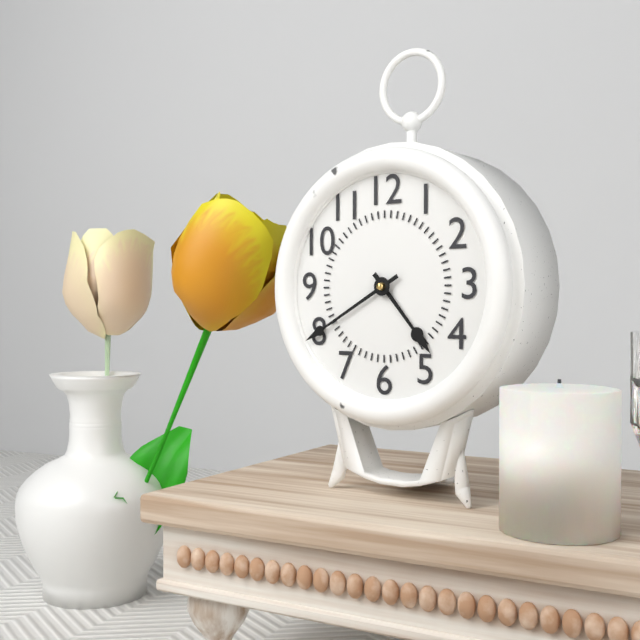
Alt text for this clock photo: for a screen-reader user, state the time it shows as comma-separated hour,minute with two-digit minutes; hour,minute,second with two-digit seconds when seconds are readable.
4,40
